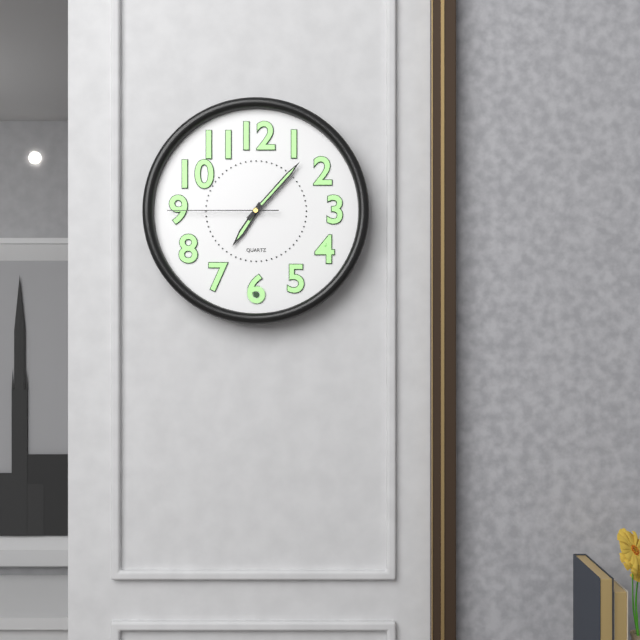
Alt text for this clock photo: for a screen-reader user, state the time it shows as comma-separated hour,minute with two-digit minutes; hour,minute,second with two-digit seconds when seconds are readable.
7,07,45
